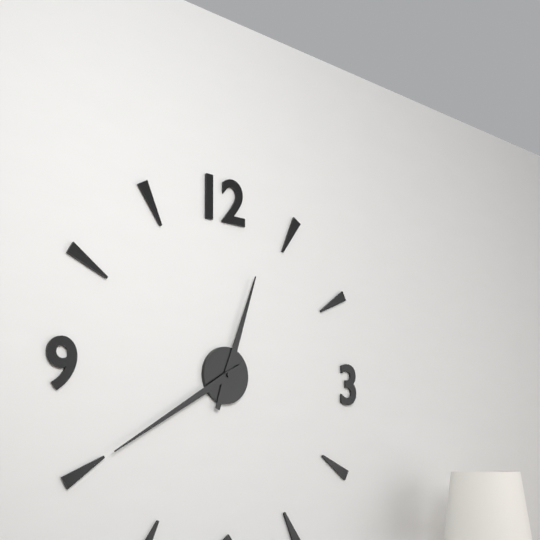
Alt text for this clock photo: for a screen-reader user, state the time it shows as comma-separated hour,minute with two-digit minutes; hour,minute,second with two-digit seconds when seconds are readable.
12,40
